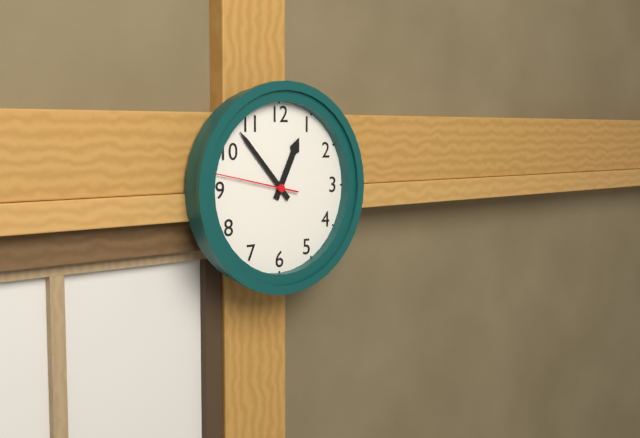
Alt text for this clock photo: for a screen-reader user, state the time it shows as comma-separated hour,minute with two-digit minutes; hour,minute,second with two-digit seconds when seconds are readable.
12,53,47
